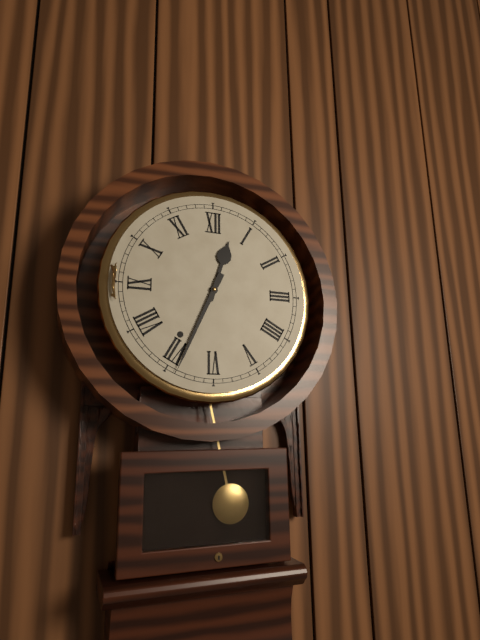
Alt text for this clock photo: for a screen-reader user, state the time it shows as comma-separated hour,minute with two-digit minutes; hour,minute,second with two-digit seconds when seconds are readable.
12,34
